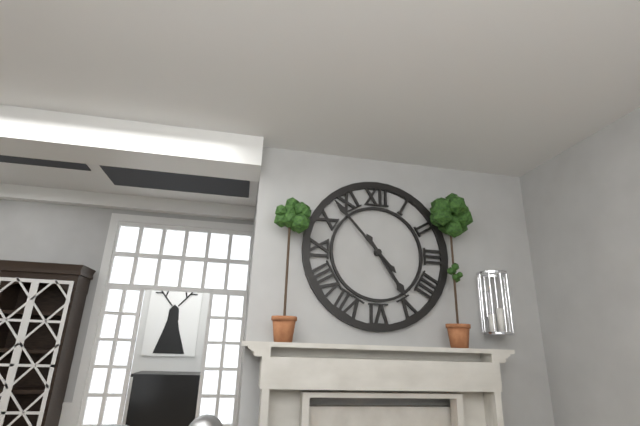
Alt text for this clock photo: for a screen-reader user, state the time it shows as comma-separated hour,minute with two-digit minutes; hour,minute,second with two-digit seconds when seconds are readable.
4,53
